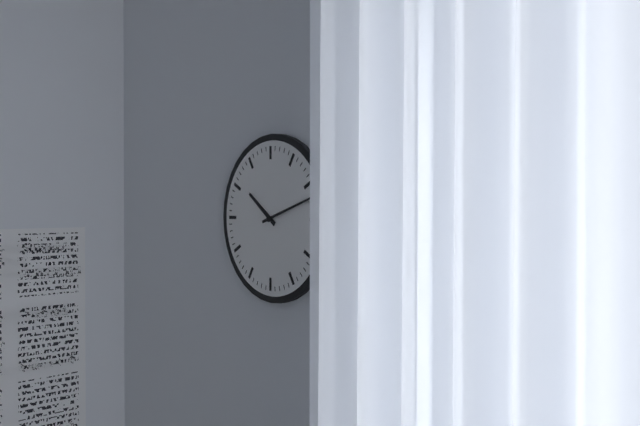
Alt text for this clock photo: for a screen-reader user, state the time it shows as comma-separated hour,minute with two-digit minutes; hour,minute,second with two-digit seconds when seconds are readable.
10,12
